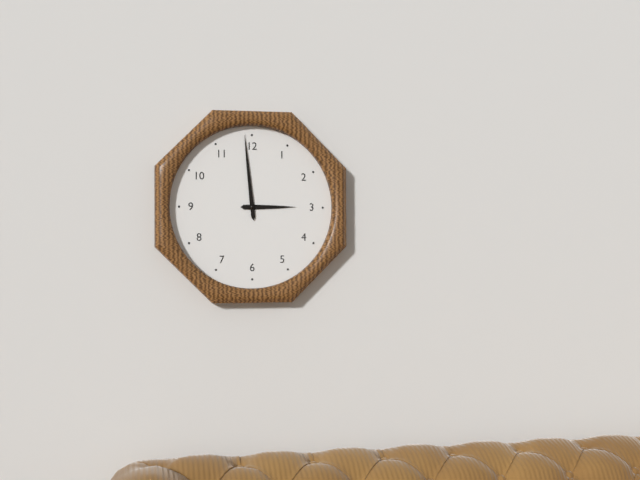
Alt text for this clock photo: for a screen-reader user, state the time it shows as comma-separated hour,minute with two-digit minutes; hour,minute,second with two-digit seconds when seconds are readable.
2,59
